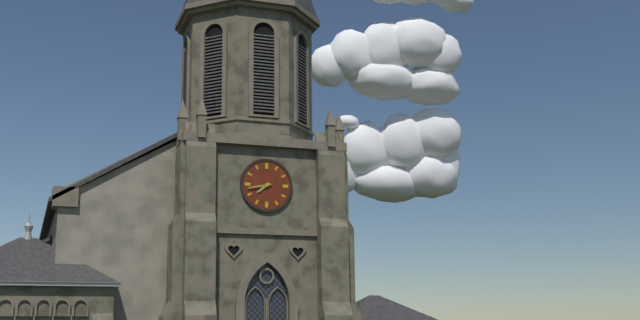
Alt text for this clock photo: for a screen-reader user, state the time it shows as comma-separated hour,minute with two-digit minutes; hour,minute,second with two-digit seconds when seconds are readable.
7,43
